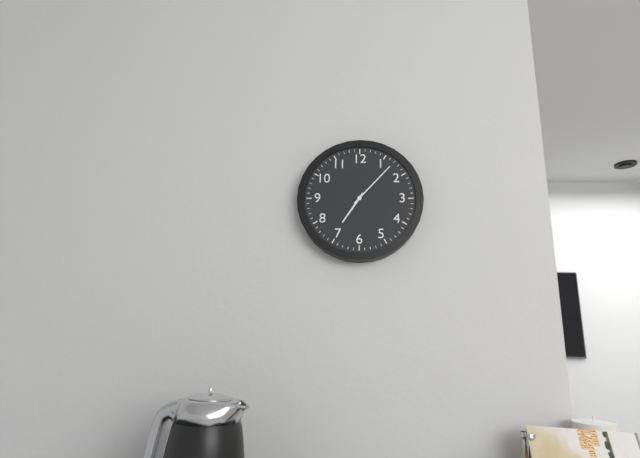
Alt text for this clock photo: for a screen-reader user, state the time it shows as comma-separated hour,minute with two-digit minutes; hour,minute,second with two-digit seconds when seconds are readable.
7,07
